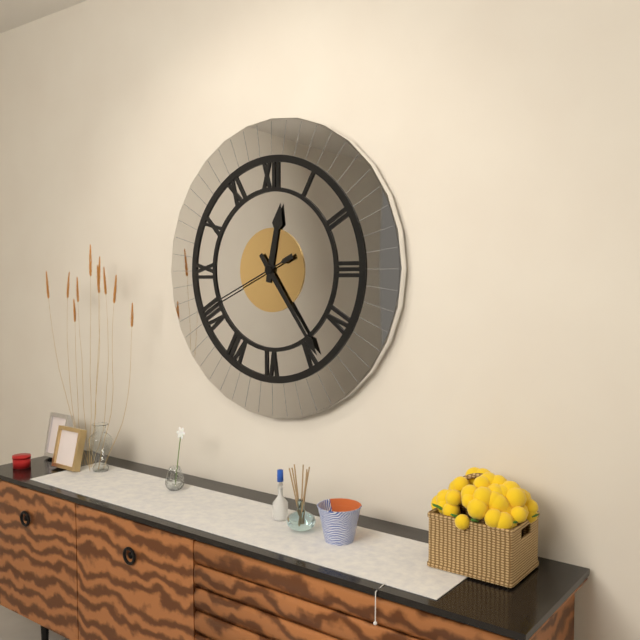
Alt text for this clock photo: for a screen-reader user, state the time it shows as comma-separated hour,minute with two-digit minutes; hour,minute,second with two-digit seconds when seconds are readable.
12,24,41
